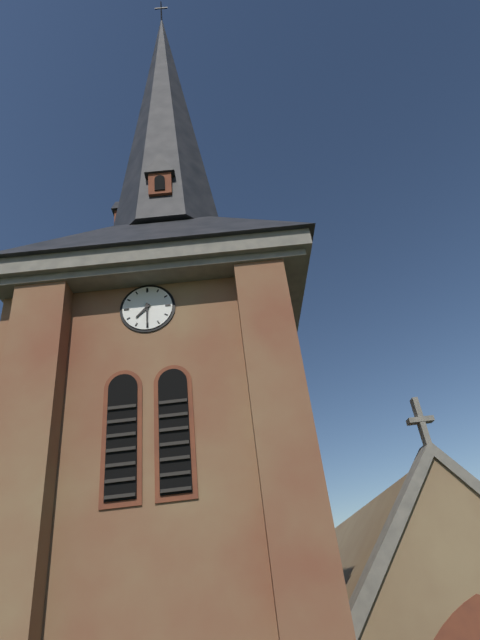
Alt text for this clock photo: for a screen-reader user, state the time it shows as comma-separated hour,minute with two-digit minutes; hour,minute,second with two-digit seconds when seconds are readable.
7,30
